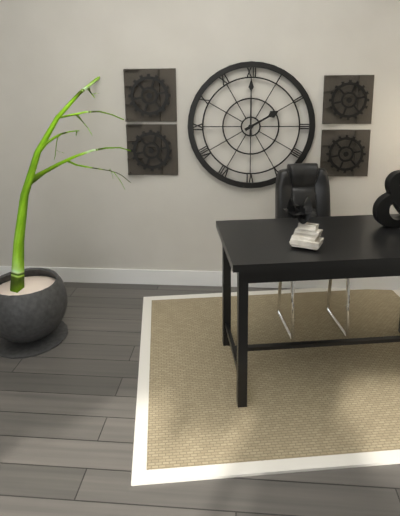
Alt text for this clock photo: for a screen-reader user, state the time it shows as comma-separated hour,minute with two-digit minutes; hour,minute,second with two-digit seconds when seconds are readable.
2,00
